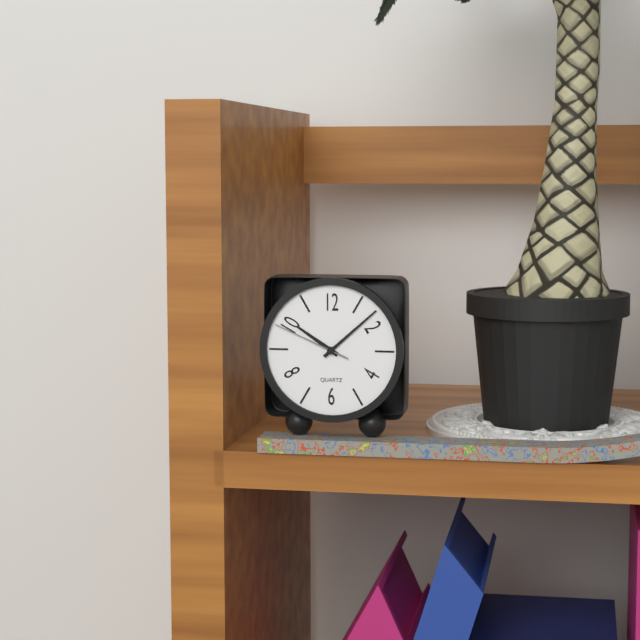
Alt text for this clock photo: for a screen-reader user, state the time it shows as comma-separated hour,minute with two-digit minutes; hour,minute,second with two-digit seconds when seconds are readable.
10,08,49
